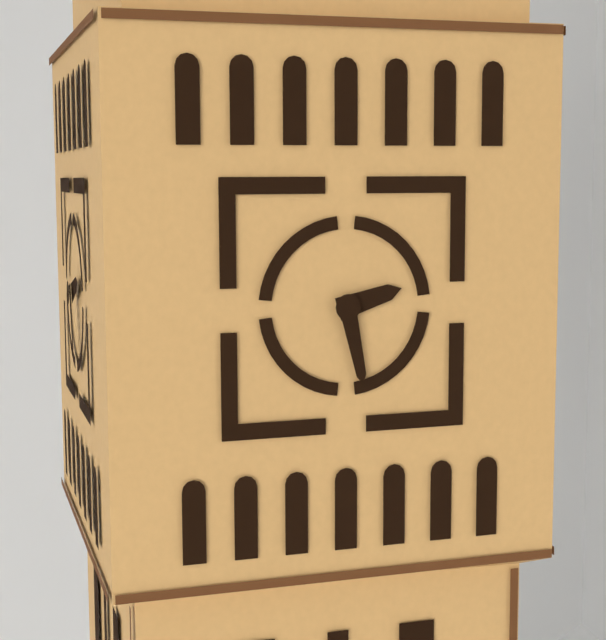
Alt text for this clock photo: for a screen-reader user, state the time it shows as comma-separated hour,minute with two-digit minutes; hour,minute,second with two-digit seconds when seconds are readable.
2,28
